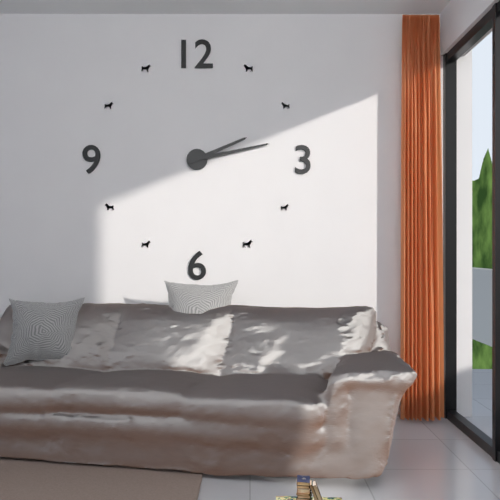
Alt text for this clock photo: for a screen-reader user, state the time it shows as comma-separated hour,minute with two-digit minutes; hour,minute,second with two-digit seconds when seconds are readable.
2,13
